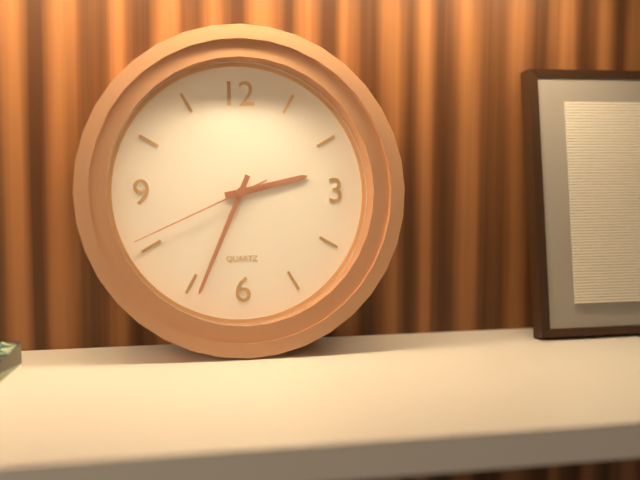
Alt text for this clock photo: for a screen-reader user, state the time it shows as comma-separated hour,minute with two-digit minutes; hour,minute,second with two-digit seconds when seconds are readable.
2,34,41
